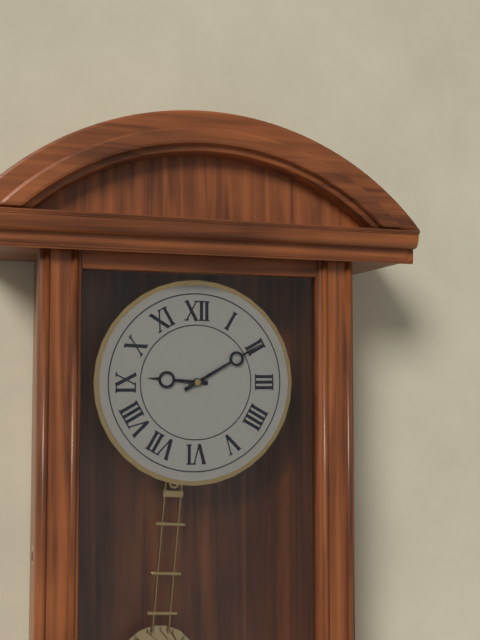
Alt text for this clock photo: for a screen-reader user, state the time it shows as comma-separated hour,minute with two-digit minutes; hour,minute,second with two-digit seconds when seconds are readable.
9,10
